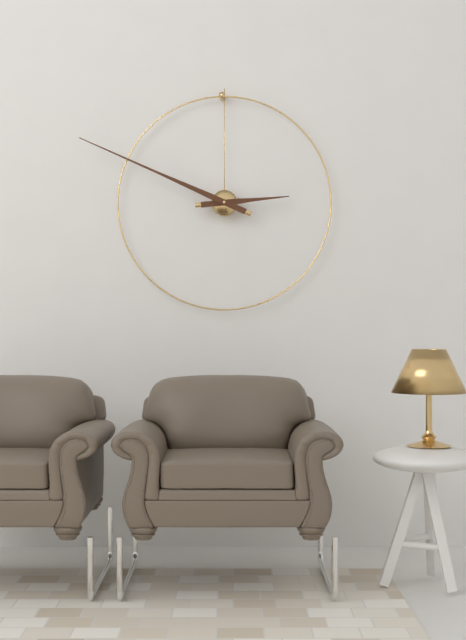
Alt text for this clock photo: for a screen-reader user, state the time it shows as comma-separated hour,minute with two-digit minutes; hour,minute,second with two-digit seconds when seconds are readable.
2,49
